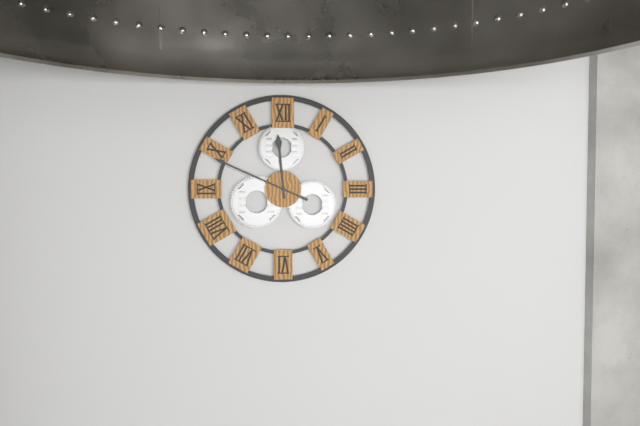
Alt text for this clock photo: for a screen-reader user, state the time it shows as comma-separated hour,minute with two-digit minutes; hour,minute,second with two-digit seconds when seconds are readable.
11,49
